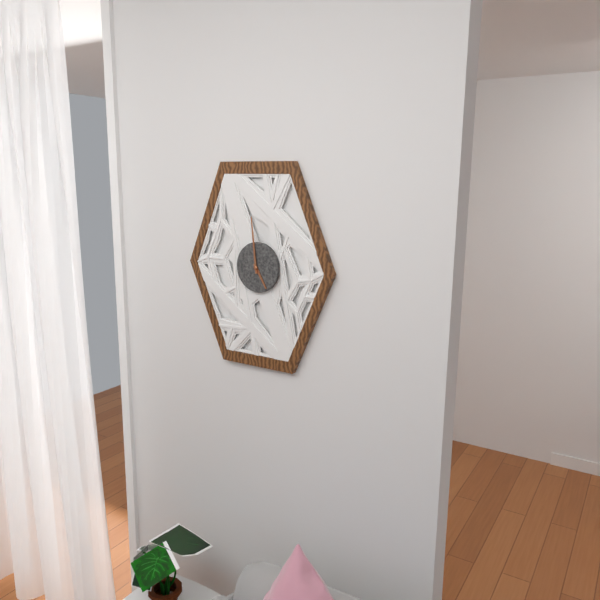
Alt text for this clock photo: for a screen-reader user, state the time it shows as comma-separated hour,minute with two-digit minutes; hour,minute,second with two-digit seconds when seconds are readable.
4,59
